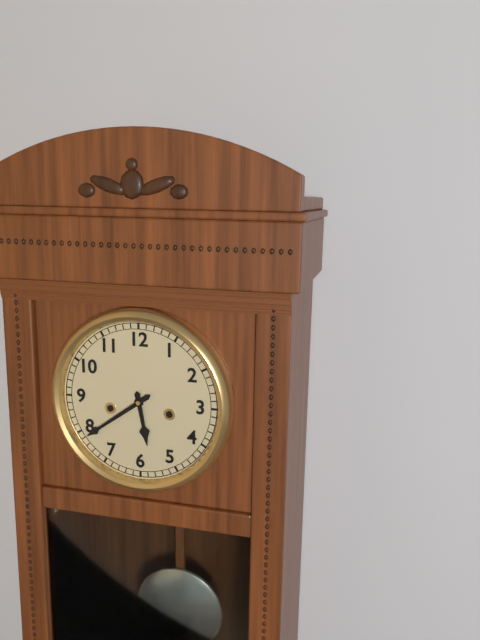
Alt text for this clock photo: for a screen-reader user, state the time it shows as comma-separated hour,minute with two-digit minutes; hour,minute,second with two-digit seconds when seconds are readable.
5,39
